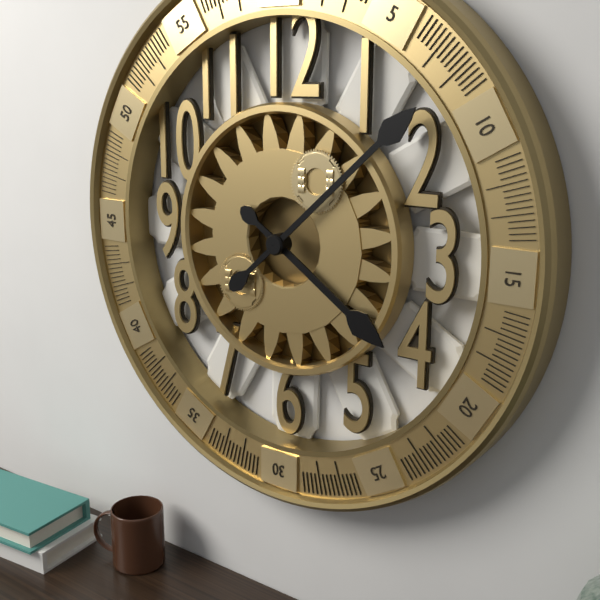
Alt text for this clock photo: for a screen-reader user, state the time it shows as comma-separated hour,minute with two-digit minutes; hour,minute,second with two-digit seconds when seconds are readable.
4,08
